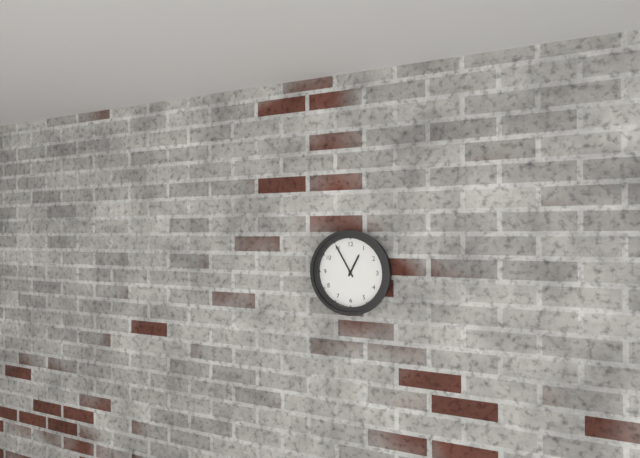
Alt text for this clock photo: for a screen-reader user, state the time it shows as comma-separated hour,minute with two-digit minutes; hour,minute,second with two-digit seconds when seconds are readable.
12,55
